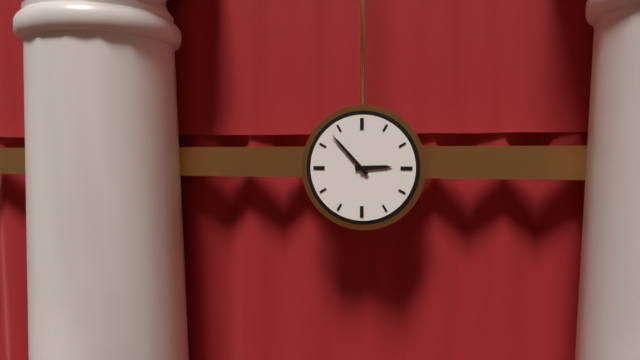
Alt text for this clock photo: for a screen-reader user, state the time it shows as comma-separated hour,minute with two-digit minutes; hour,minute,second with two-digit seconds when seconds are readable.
2,53
